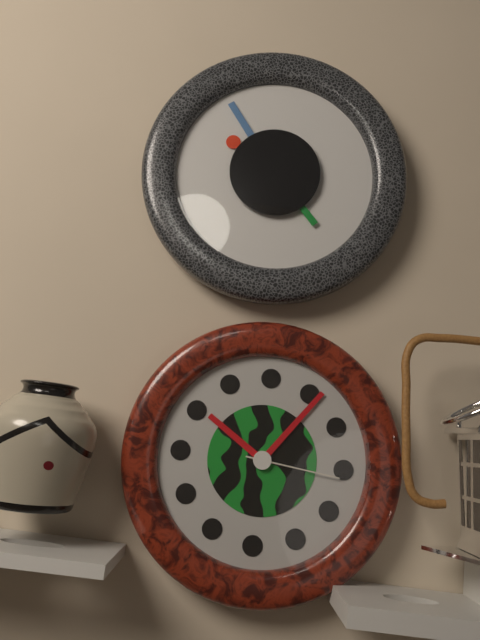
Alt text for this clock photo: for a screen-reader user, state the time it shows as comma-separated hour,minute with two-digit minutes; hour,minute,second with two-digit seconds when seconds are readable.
10,06,16
